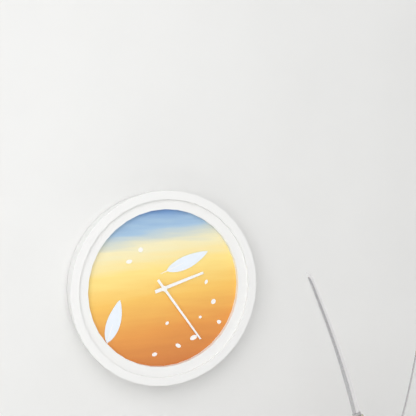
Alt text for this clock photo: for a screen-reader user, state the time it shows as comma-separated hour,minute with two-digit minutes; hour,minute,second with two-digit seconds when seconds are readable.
2,24
